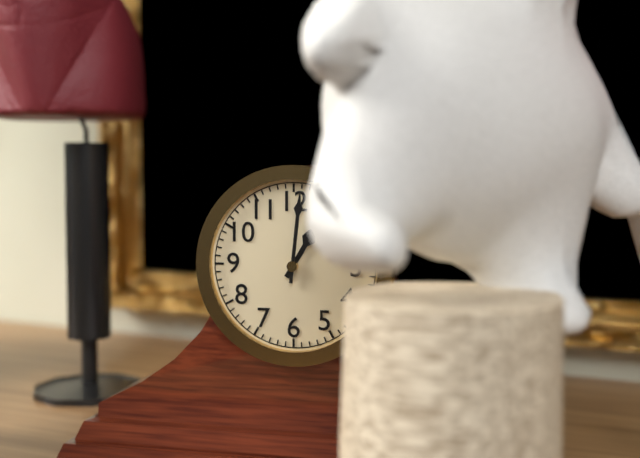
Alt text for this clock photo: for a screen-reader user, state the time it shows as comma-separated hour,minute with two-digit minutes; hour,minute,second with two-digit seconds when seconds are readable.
1,01
